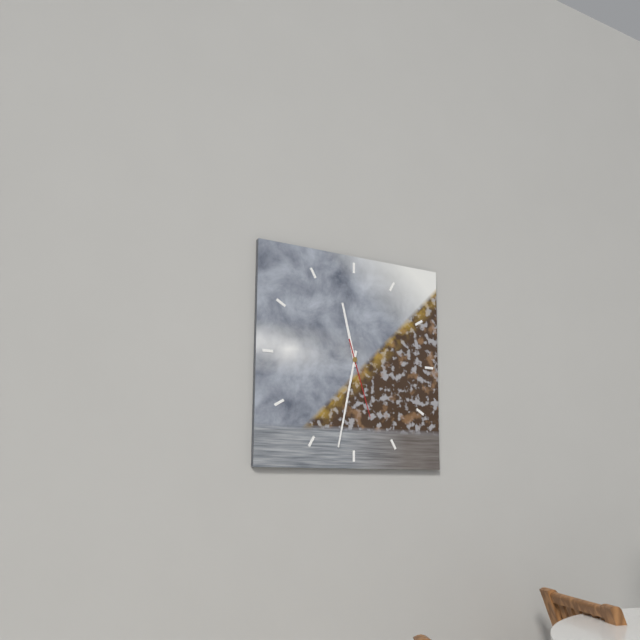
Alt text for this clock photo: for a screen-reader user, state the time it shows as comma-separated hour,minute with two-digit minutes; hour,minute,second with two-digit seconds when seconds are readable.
11,32,27
